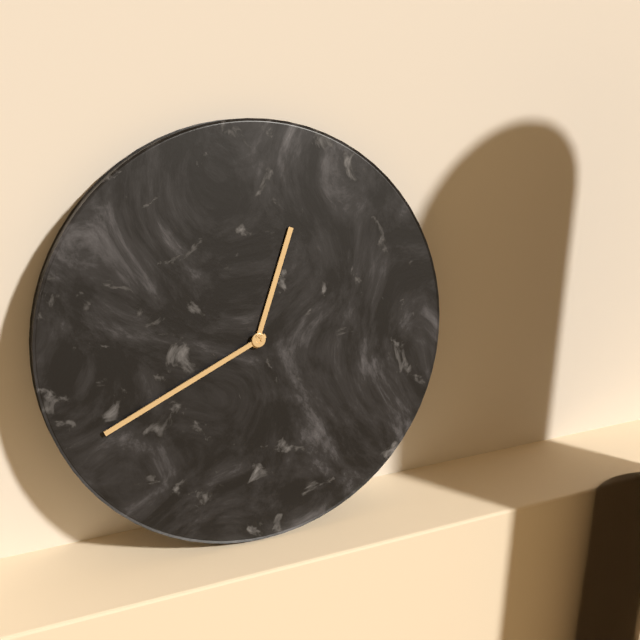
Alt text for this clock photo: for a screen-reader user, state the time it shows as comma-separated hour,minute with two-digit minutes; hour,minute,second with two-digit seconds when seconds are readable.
12,41
